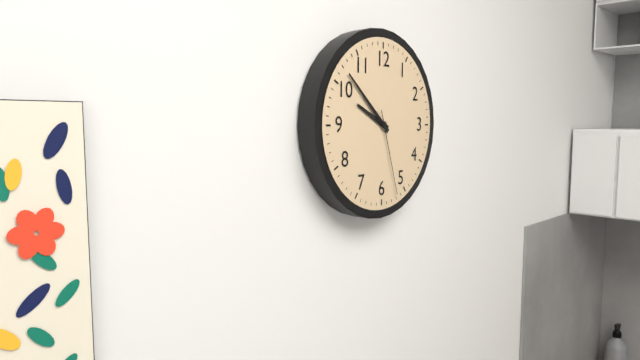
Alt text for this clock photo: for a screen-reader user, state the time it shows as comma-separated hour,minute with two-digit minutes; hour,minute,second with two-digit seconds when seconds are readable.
9,52,27
